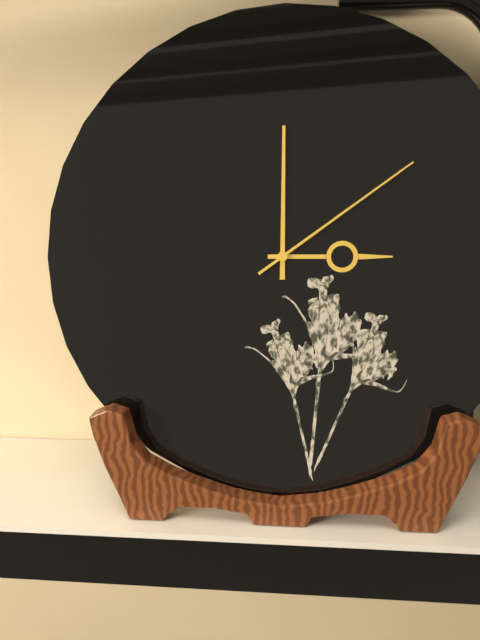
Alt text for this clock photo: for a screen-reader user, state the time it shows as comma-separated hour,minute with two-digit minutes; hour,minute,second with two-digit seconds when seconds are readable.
3,00,09
